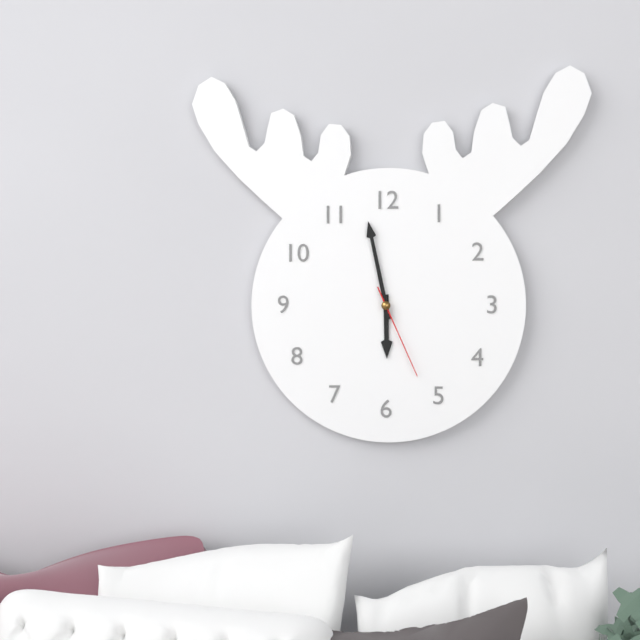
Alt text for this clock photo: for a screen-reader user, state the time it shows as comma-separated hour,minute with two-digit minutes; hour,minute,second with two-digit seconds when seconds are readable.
5,58,26
